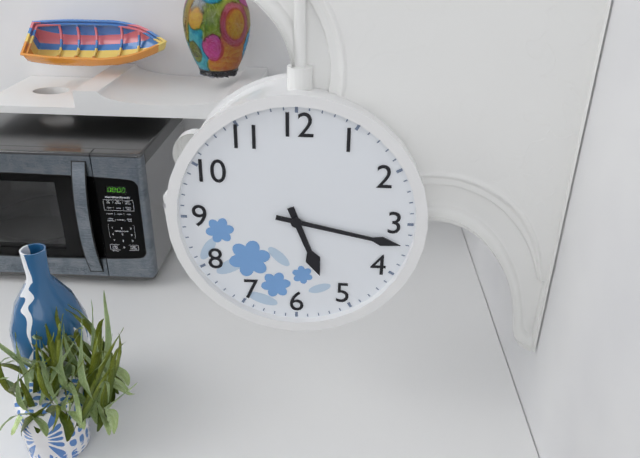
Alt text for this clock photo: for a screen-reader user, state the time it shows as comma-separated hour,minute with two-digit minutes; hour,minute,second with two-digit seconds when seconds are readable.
5,17
